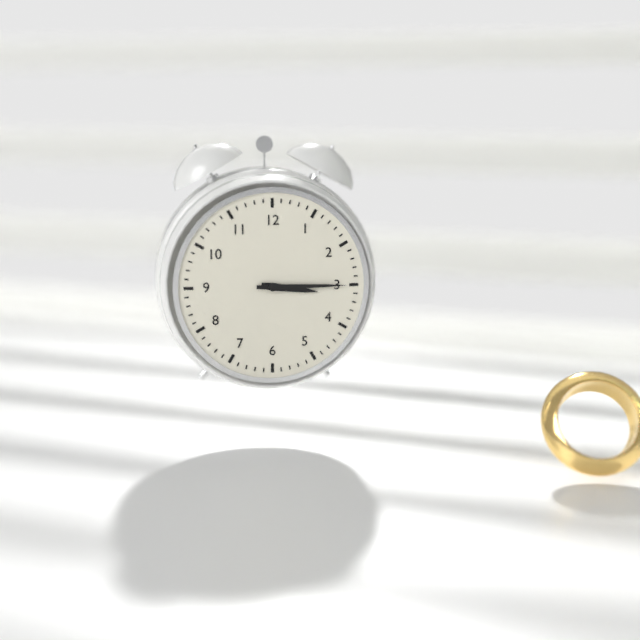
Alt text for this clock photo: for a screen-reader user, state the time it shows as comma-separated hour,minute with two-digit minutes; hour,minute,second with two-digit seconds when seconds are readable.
3,15
